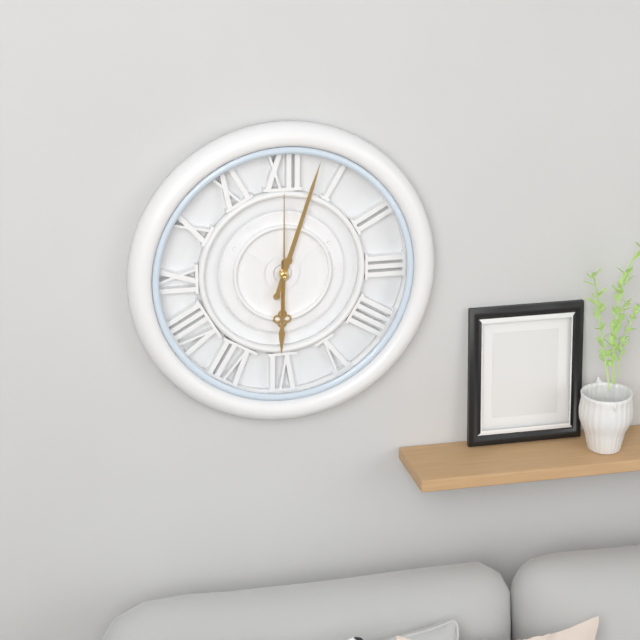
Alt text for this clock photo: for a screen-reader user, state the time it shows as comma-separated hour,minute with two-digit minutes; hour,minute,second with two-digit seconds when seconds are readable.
6,03,00
